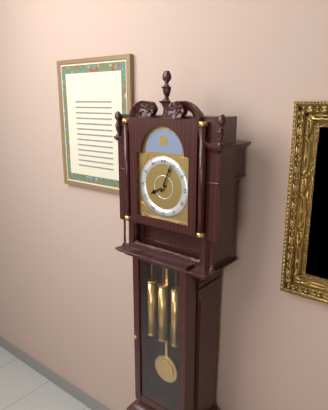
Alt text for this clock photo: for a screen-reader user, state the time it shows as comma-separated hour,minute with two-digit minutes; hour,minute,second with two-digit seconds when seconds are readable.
8,04
